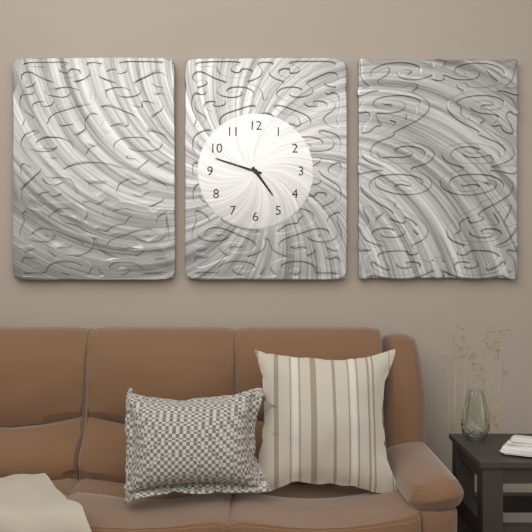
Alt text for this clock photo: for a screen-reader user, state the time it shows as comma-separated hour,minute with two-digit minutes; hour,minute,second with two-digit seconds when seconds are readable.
4,48
